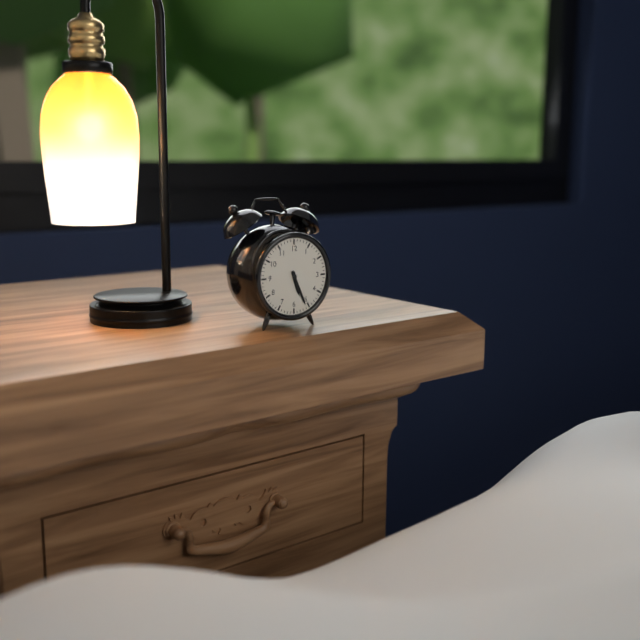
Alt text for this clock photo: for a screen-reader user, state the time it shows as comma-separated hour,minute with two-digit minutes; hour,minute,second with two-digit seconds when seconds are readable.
5,26
